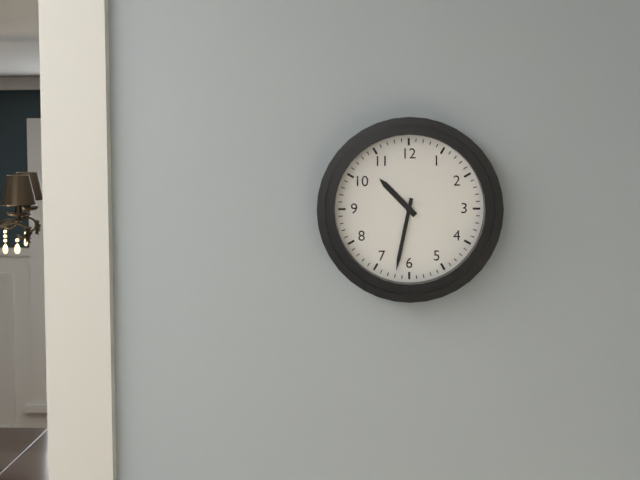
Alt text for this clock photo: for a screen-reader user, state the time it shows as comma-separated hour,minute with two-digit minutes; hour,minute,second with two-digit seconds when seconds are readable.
10,32
